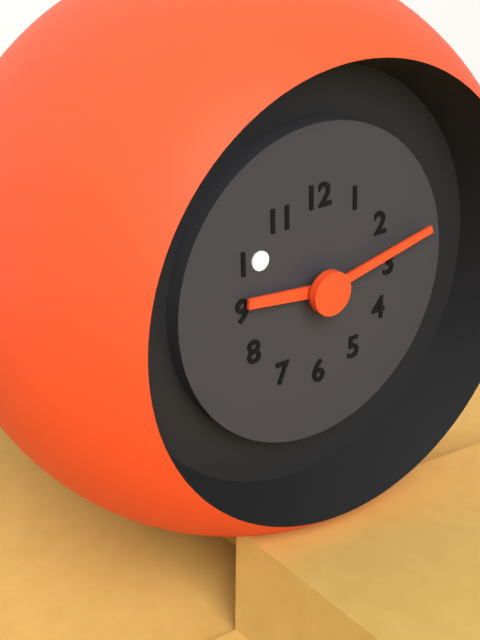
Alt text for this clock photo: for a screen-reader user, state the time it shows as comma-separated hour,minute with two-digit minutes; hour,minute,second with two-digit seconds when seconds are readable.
9,13
